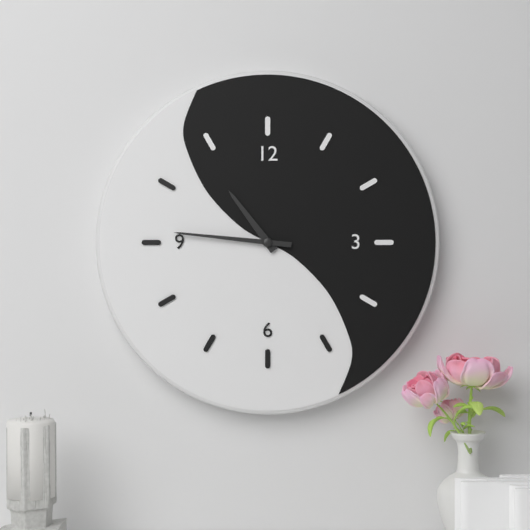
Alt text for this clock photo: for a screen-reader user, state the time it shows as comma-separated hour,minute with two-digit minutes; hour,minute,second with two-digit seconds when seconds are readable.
10,46
